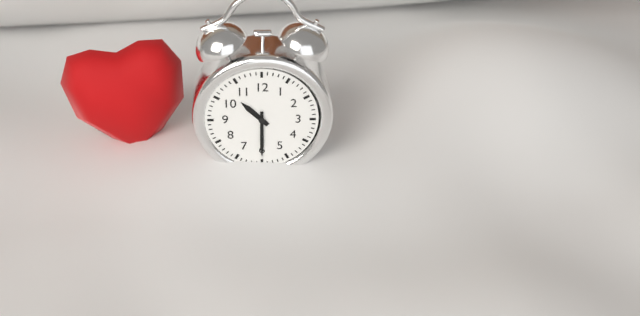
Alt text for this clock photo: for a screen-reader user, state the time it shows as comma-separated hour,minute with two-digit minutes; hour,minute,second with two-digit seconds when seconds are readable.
10,30
